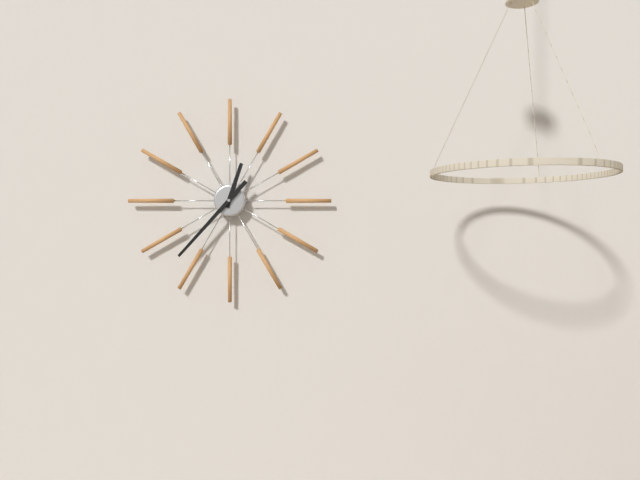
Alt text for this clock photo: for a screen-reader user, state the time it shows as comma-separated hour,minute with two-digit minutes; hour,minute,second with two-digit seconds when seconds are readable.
12,37
